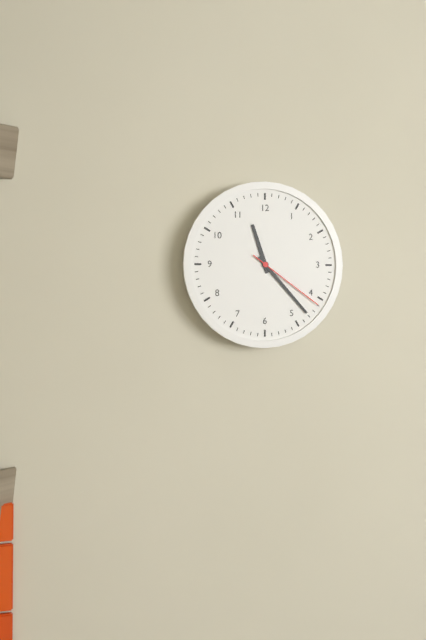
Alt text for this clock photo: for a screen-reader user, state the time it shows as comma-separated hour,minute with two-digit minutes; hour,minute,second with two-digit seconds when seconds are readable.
11,23,21
